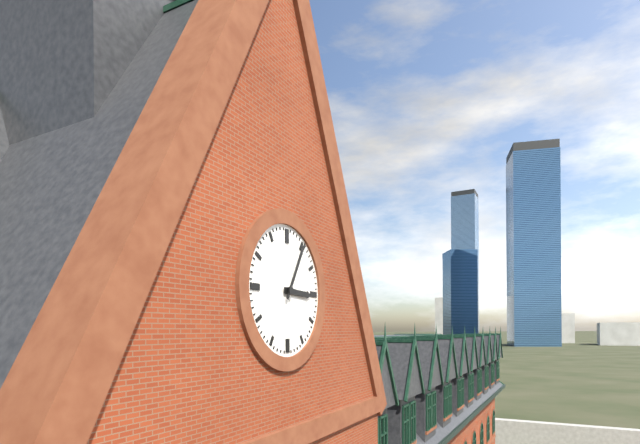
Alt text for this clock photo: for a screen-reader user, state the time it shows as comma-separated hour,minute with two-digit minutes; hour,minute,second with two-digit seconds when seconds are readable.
3,05
